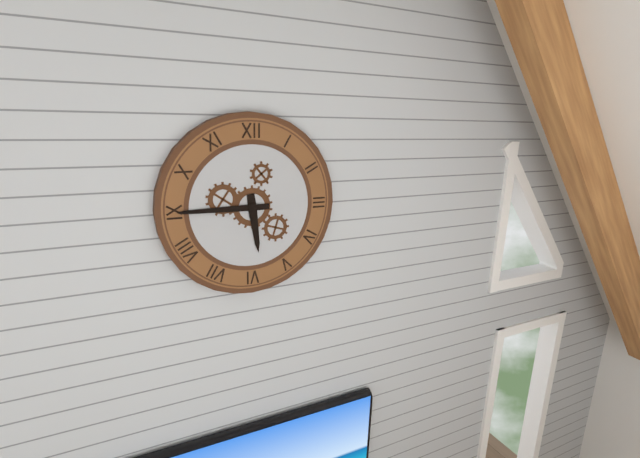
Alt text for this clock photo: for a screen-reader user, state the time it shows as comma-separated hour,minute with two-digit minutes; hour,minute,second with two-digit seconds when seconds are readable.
5,45
